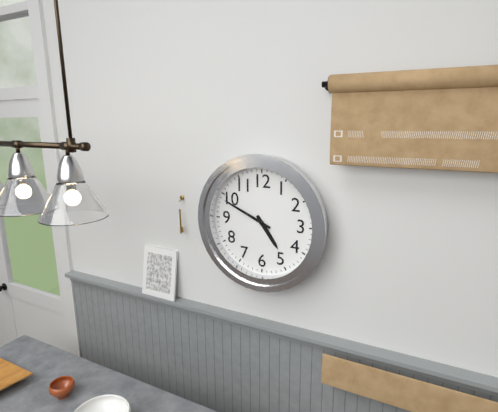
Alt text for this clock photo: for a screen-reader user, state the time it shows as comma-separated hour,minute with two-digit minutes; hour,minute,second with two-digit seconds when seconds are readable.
4,49
